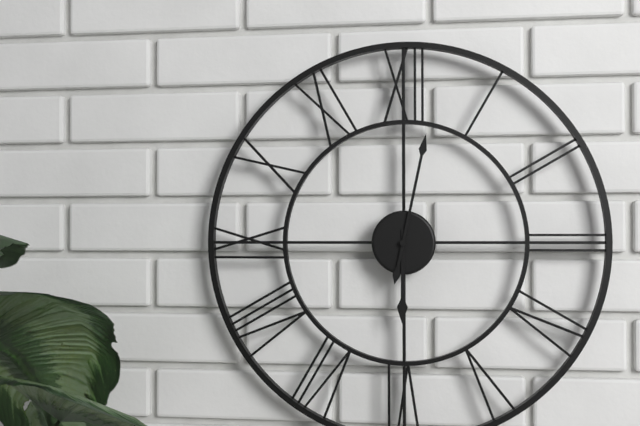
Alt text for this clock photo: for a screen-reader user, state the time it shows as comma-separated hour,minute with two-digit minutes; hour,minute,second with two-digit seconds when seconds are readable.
6,02
